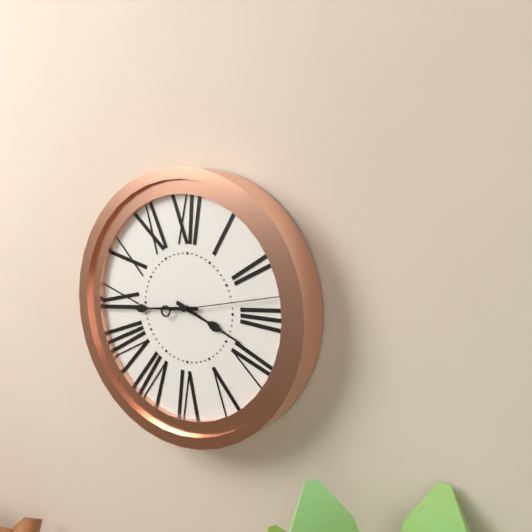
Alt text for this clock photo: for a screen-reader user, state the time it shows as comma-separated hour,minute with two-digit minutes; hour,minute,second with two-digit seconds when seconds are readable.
3,44,13
